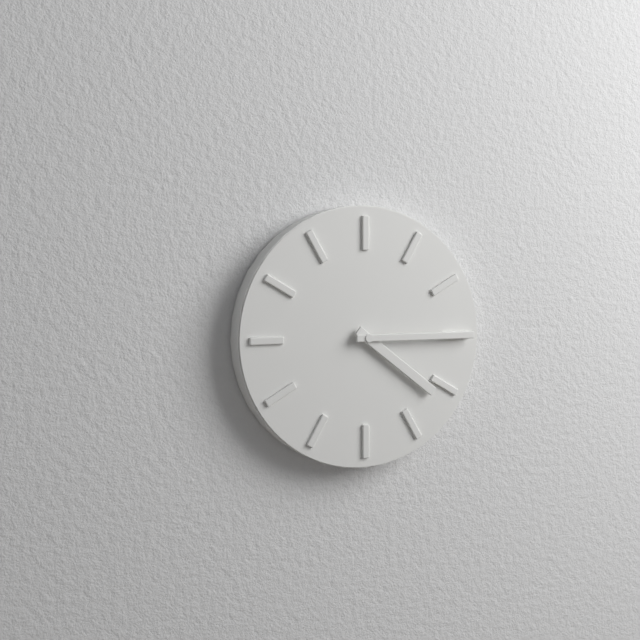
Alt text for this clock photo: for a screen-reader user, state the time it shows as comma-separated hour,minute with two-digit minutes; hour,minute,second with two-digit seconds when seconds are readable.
4,15
